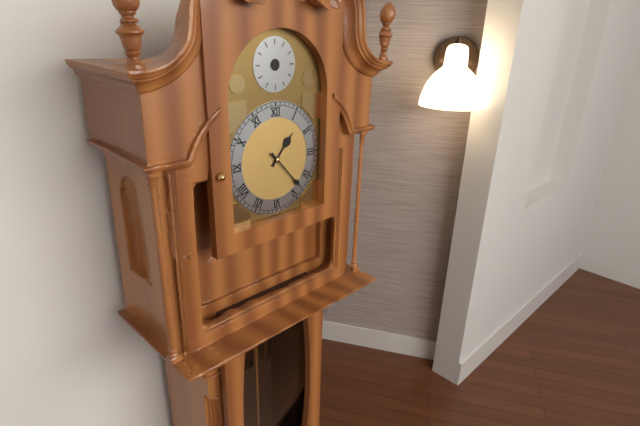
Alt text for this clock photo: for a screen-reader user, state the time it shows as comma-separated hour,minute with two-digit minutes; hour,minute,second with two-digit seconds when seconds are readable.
1,23
